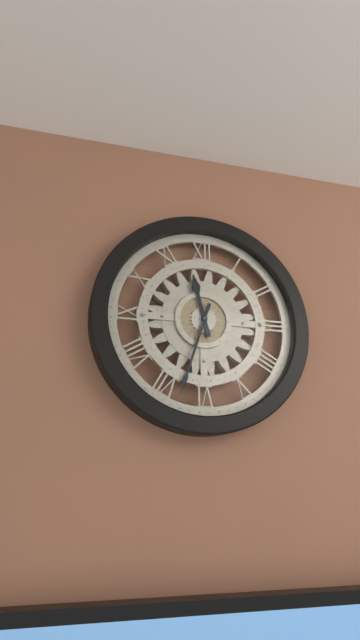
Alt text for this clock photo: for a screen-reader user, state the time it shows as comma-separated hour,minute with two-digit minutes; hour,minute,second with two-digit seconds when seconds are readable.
11,33
